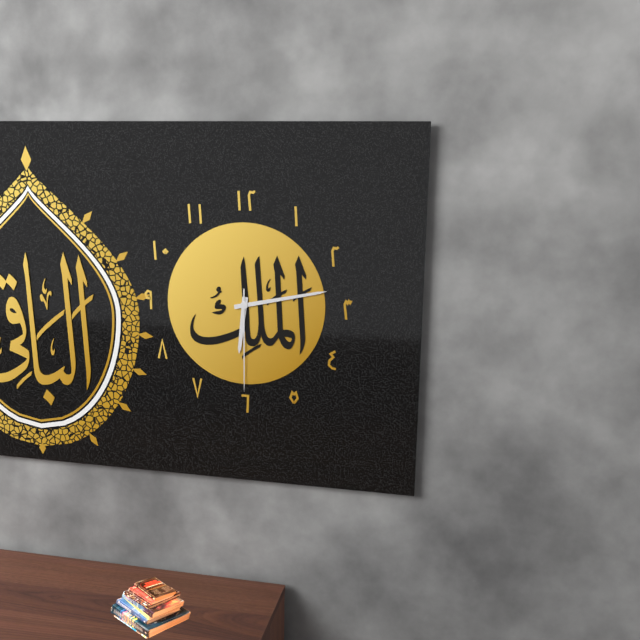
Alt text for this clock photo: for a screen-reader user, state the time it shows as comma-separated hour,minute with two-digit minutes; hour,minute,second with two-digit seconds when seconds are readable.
6,13,30
